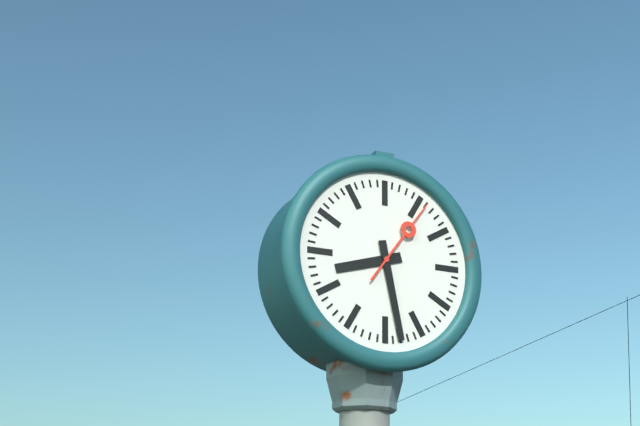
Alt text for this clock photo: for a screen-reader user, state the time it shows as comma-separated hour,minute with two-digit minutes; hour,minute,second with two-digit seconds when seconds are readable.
8,28,06
